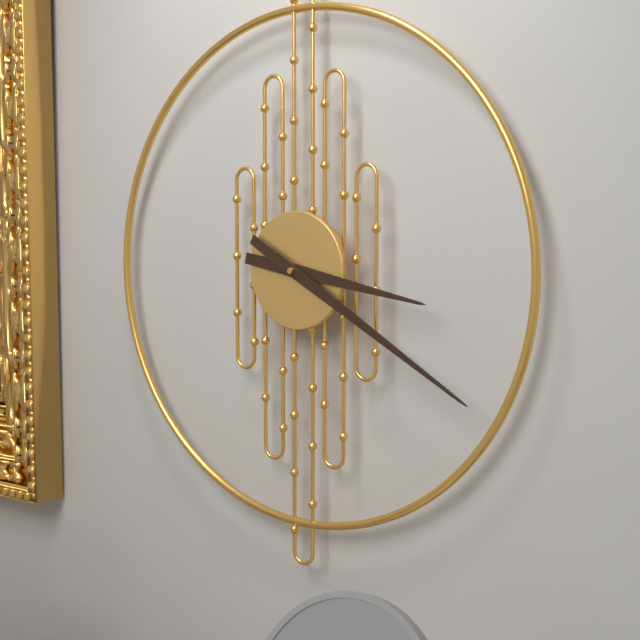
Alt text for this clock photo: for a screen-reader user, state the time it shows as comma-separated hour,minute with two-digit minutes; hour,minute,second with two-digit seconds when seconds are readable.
3,20
